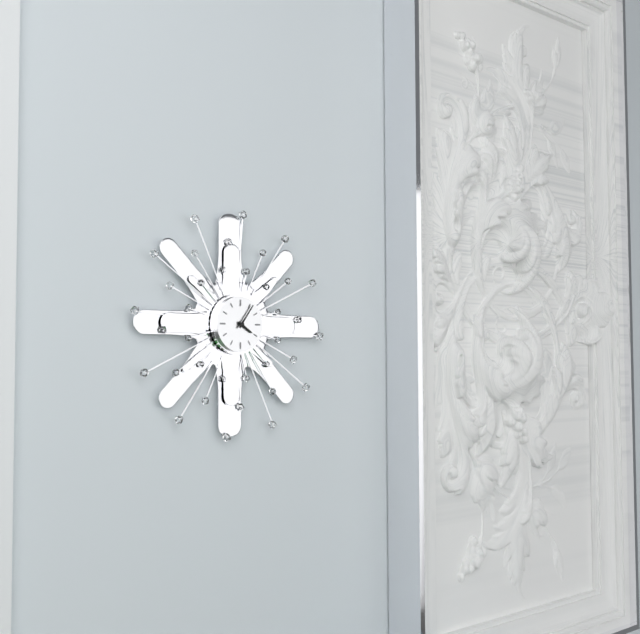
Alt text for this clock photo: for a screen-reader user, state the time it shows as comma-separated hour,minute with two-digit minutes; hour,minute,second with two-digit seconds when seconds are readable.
4,06
